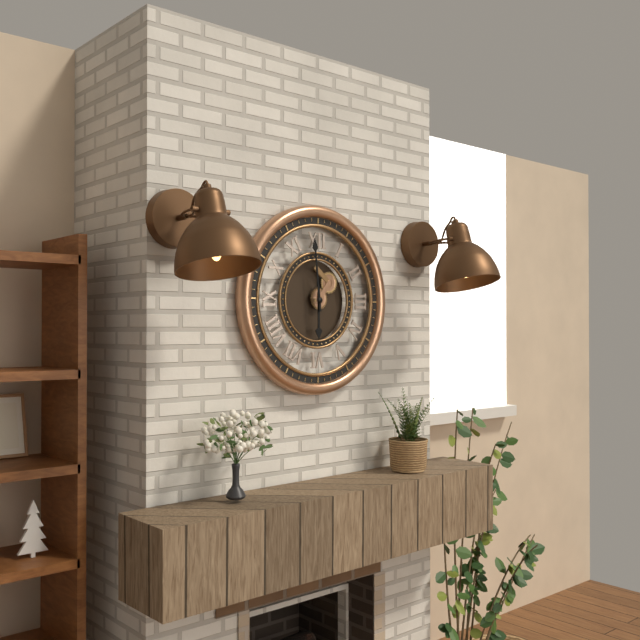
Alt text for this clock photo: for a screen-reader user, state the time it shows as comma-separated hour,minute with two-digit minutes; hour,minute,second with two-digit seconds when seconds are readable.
5,59
